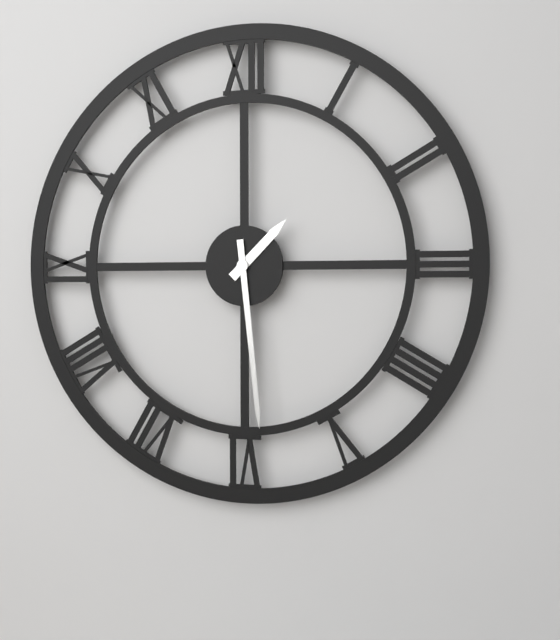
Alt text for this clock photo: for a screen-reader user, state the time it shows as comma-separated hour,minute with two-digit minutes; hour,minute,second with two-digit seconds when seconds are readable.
1,29
